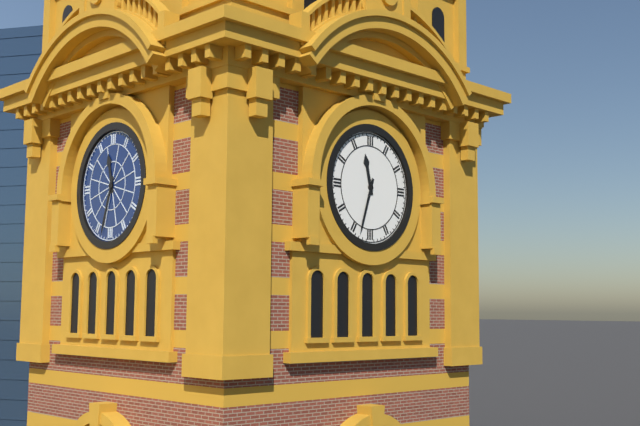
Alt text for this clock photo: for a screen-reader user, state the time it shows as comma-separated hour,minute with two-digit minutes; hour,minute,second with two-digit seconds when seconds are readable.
11,33
